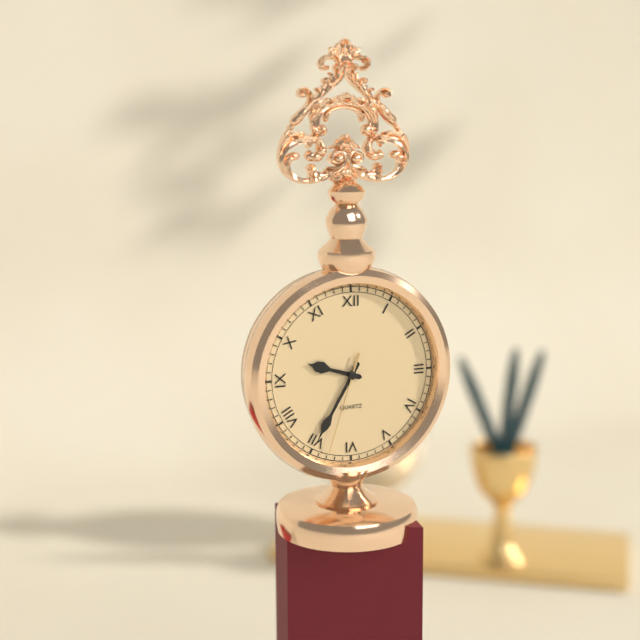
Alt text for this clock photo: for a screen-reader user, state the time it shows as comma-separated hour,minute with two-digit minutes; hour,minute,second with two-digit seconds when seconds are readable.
9,35,33
